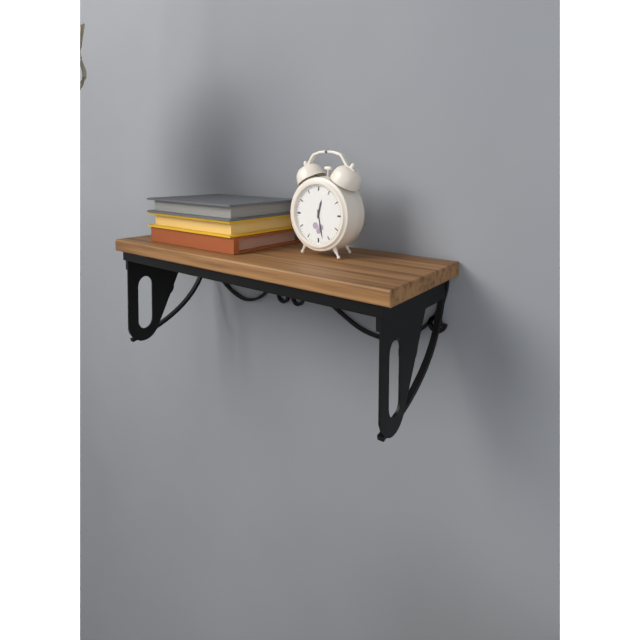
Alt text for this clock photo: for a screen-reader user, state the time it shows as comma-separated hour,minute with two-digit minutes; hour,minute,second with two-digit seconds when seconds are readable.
12,28
